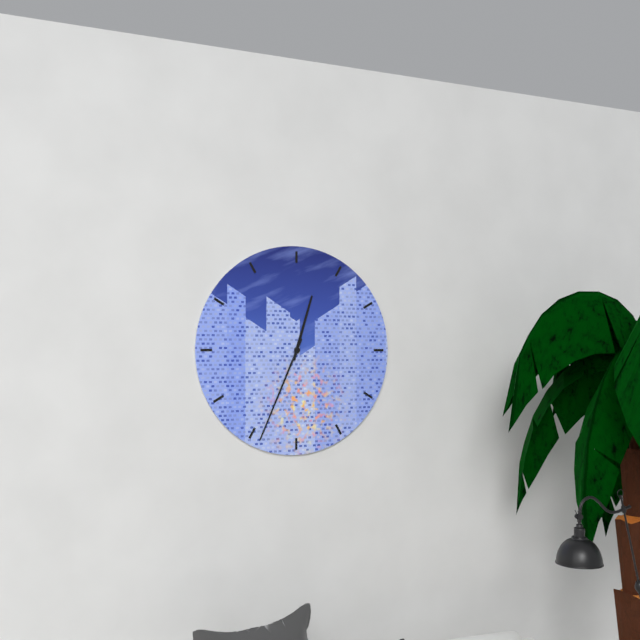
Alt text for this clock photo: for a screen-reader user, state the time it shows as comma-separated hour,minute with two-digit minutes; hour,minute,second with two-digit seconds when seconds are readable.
12,34
